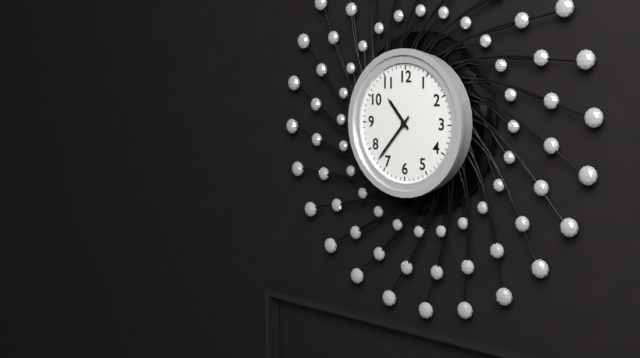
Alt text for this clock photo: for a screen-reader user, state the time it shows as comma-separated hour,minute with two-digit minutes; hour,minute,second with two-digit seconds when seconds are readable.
10,37
